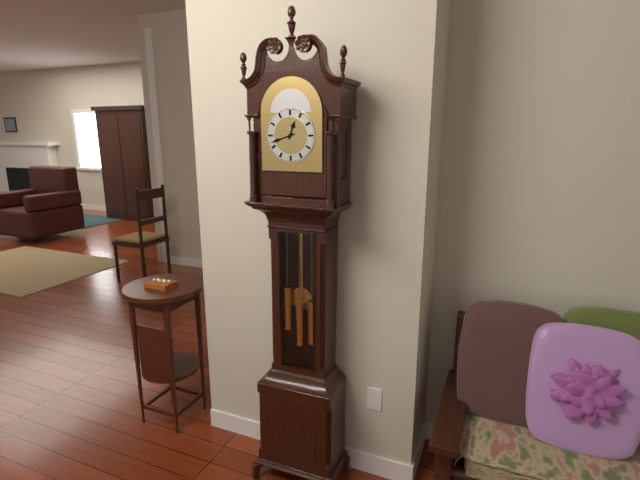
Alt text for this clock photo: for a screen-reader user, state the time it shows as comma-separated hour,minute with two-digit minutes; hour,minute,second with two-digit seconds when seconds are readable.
12,42
